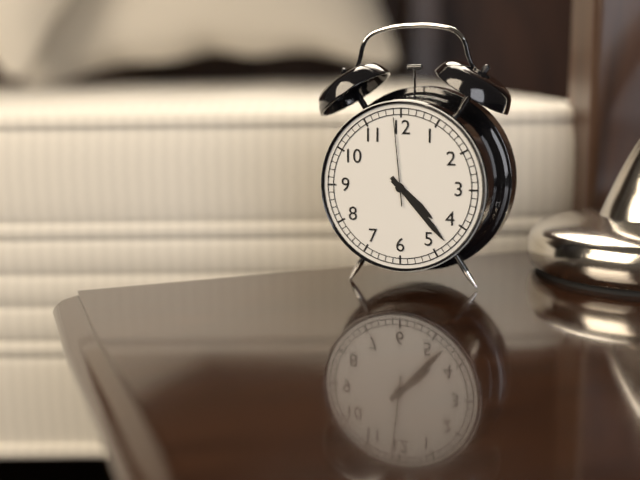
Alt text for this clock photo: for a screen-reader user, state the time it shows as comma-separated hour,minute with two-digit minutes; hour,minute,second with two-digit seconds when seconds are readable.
4,23,59
